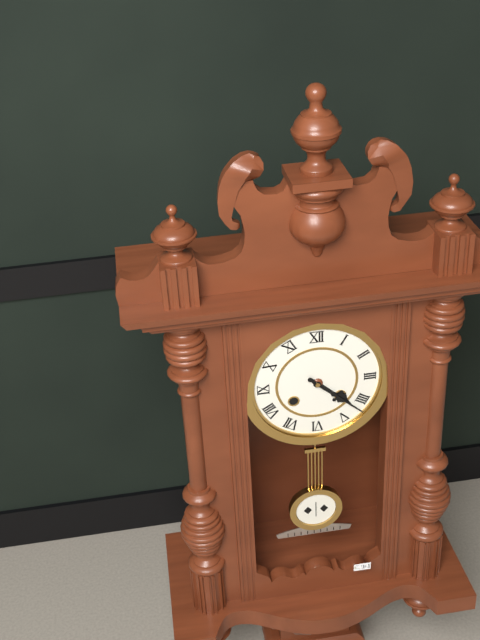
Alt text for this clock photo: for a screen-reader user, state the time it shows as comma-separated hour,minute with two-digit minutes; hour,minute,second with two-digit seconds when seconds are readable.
4,22
